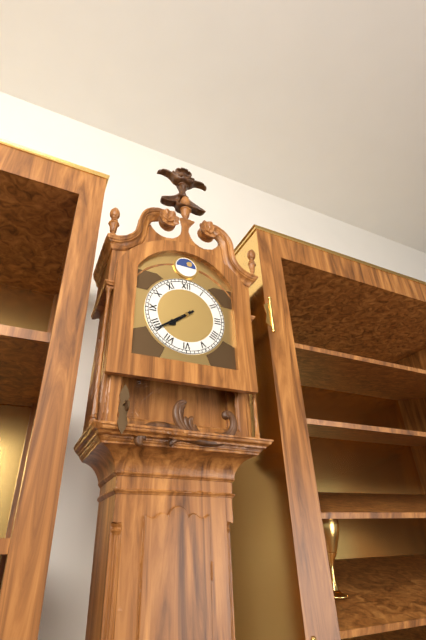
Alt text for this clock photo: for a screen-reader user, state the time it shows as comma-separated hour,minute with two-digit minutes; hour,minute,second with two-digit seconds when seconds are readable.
7,39
